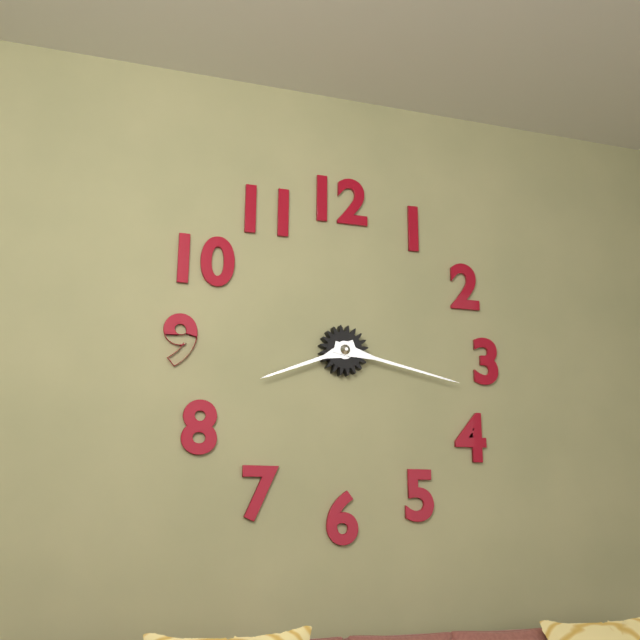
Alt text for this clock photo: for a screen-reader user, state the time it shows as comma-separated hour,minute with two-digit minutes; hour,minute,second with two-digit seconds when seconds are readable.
8,17
